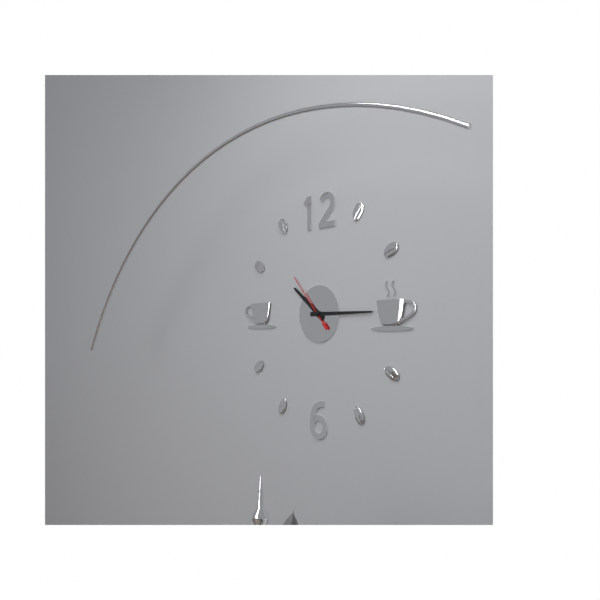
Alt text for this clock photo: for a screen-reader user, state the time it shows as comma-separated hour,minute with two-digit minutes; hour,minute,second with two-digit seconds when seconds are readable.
10,15,53
